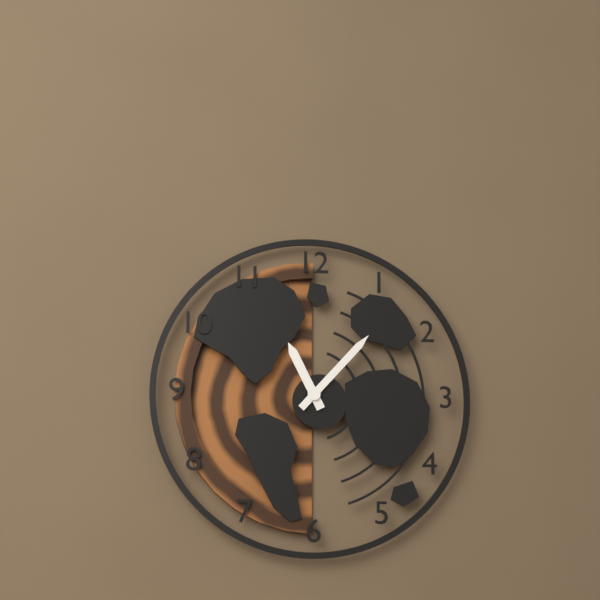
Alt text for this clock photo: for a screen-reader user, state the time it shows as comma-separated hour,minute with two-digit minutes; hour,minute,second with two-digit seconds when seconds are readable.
11,07
